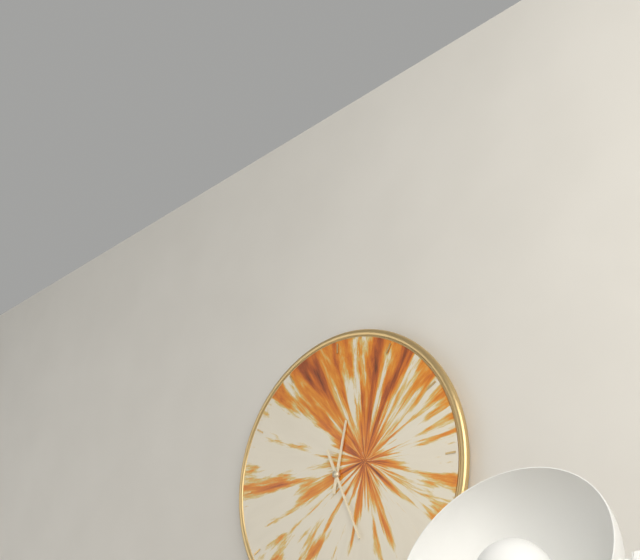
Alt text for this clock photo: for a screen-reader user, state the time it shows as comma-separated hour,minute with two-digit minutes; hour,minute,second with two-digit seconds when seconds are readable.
12,26
